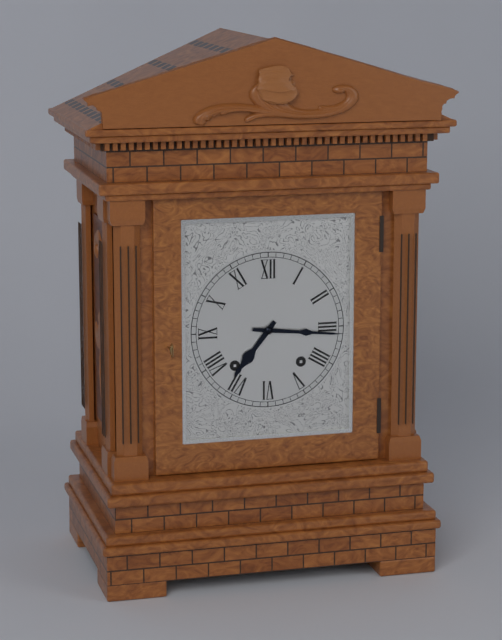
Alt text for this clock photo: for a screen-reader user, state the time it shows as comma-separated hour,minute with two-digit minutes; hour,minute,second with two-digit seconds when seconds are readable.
7,16
